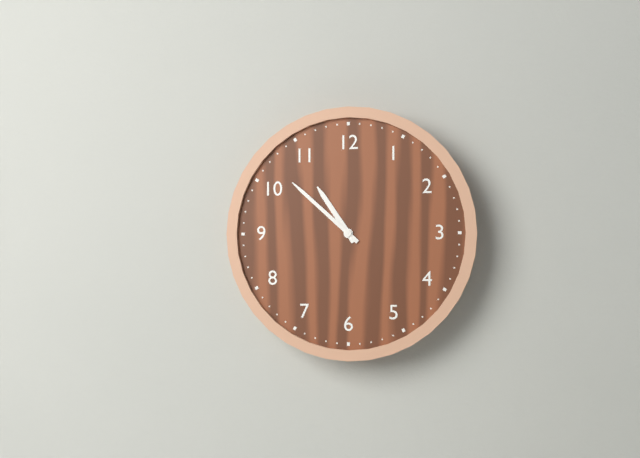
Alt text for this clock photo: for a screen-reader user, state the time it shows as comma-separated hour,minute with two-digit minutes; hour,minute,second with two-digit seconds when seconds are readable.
10,52
